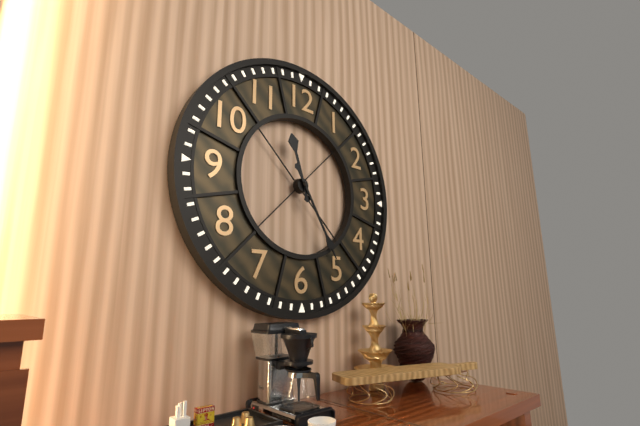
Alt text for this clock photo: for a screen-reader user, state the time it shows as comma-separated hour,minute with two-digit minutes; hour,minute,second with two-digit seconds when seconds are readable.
11,25
